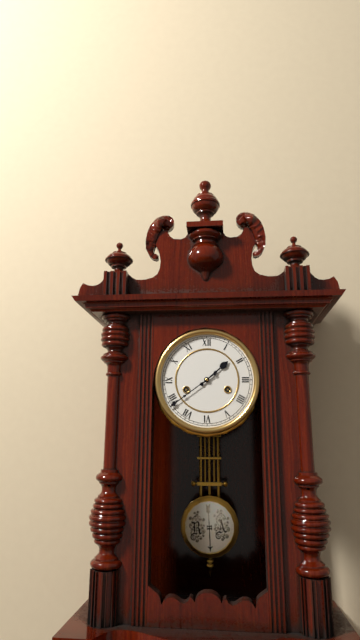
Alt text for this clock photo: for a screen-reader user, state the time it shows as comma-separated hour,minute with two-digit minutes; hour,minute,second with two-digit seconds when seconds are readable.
1,39
